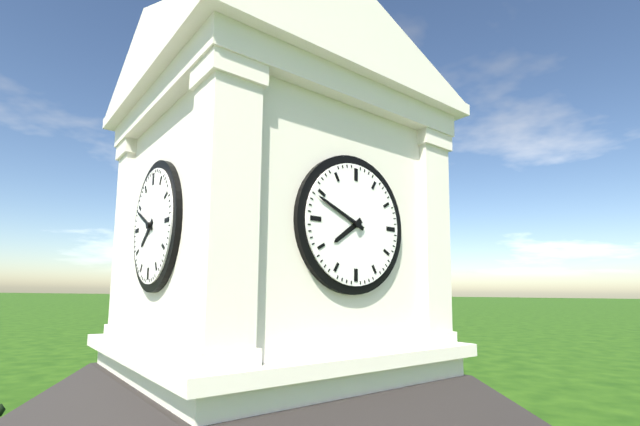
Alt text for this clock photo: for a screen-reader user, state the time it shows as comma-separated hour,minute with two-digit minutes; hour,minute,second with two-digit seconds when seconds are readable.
7,49
